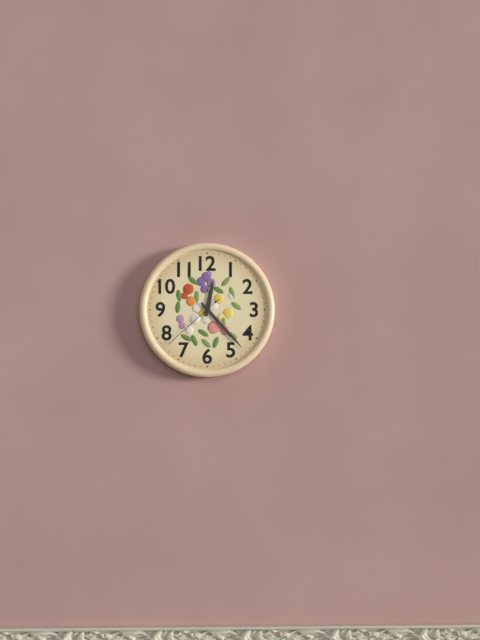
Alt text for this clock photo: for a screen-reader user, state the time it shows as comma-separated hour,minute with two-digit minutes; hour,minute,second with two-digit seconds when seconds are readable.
12,23,38
